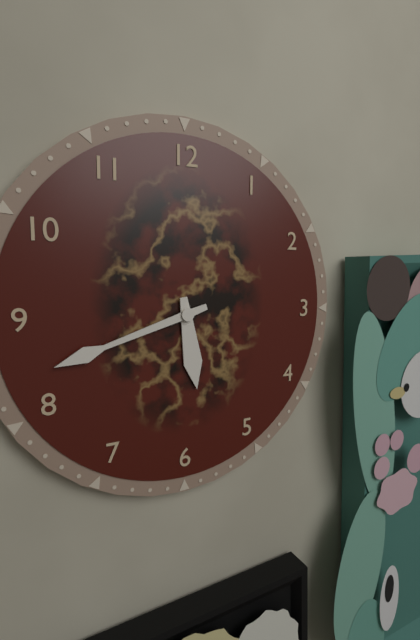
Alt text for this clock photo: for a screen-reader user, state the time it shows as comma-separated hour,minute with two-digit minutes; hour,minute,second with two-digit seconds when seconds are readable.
5,42
